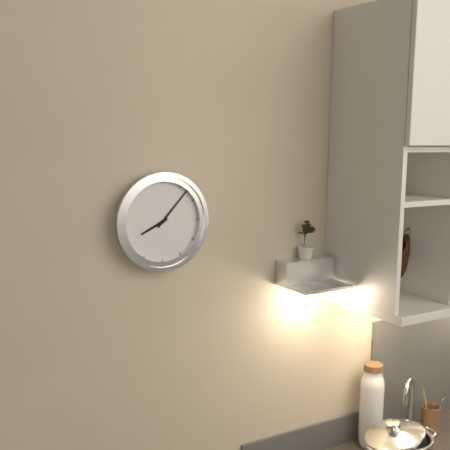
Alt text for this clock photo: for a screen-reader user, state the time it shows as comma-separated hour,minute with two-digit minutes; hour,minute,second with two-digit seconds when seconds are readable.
8,07
